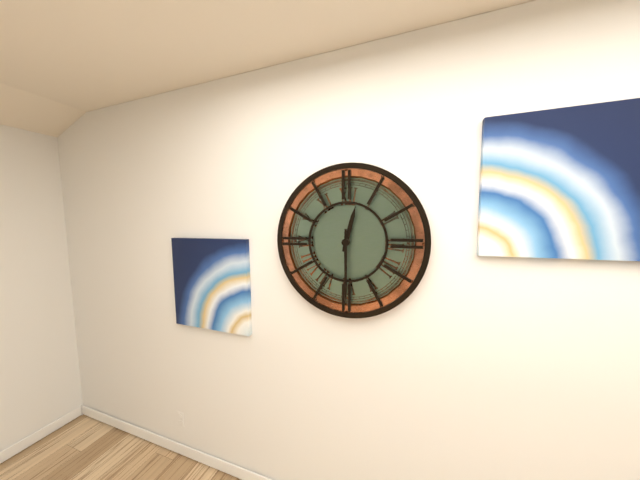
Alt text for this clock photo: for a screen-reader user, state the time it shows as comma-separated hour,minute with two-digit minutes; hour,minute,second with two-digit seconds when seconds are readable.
12,30
